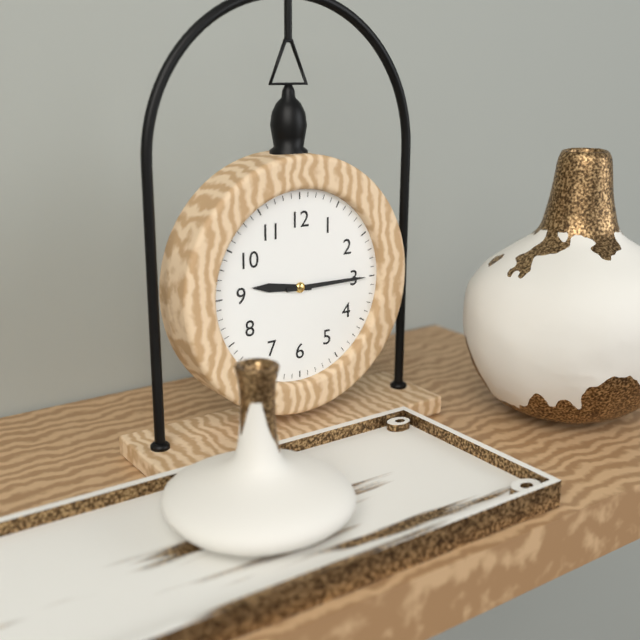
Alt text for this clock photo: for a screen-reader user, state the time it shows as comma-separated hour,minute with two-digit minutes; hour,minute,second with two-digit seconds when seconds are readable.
9,15
